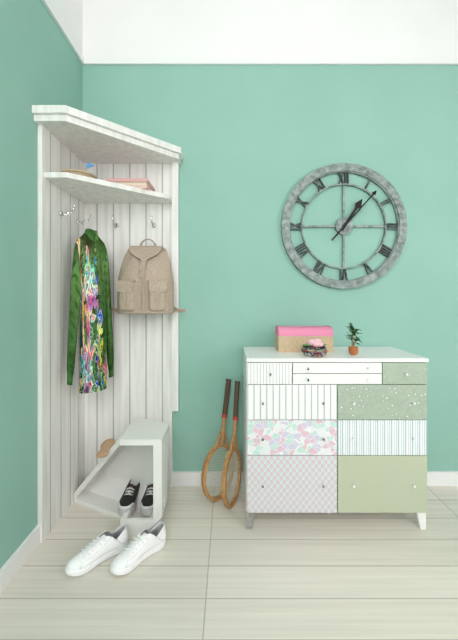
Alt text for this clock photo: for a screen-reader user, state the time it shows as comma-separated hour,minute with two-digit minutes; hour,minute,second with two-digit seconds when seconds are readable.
1,07
